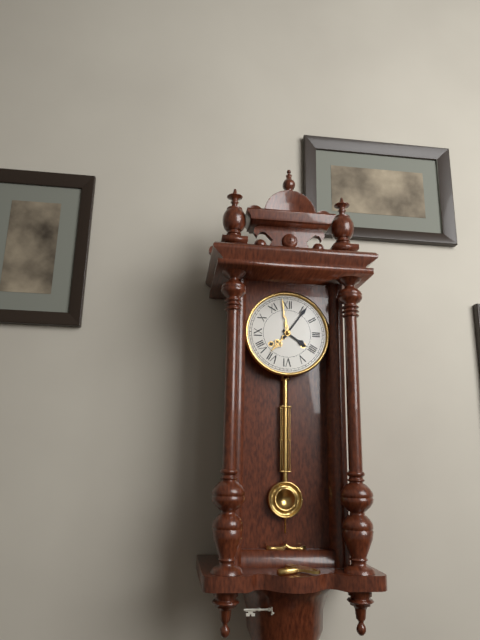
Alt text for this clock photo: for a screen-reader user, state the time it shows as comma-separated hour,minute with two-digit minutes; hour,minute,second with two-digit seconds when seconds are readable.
4,06
